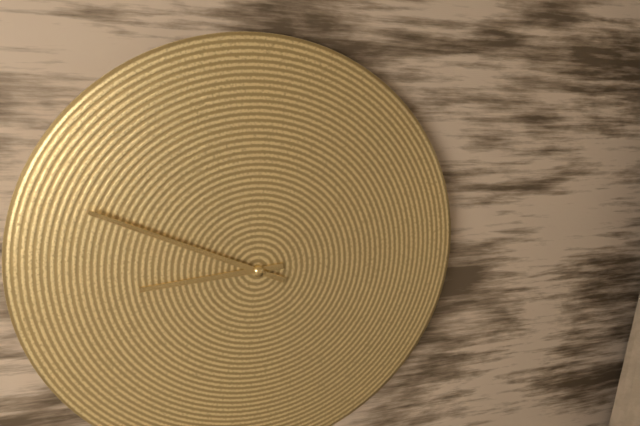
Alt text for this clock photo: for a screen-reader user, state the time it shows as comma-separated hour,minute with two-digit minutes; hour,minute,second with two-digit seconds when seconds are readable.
8,49
